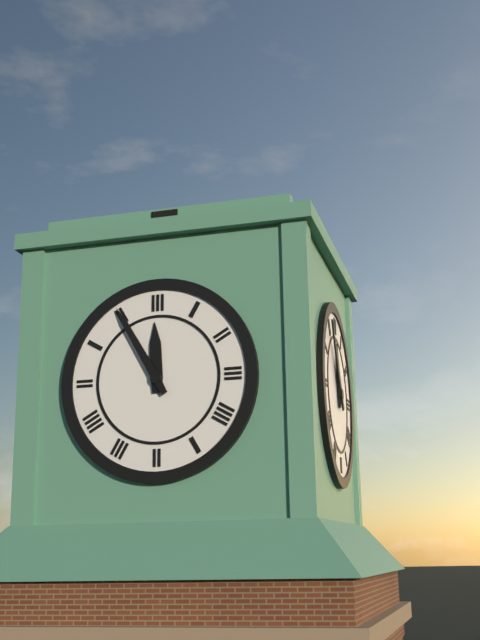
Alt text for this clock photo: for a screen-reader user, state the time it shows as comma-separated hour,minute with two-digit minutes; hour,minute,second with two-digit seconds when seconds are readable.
11,55
